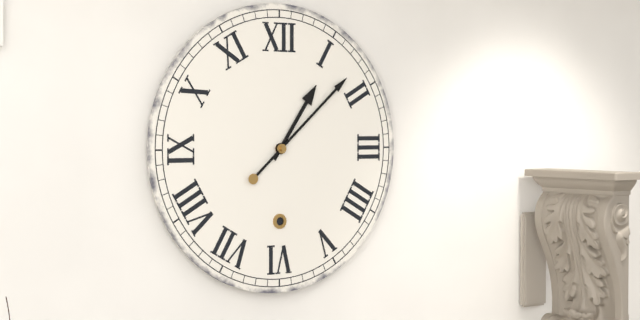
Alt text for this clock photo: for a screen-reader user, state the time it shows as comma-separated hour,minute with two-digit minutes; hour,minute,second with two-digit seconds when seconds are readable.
1,08
